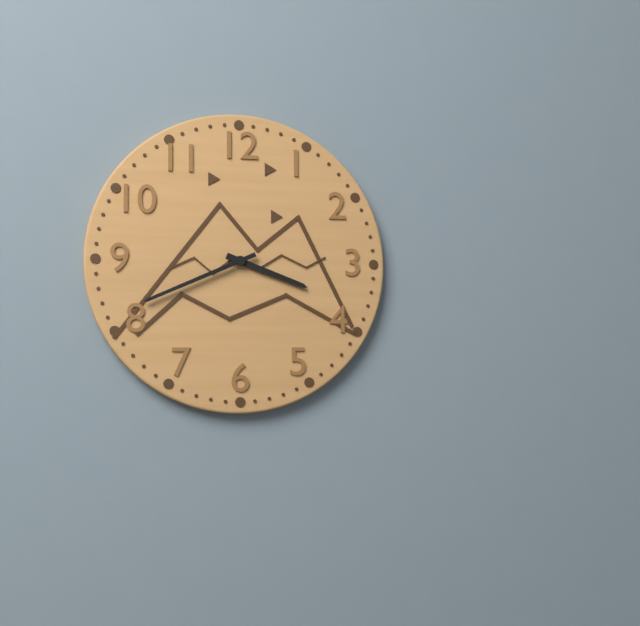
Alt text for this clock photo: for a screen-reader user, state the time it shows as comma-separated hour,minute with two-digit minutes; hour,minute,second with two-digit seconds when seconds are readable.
3,41
